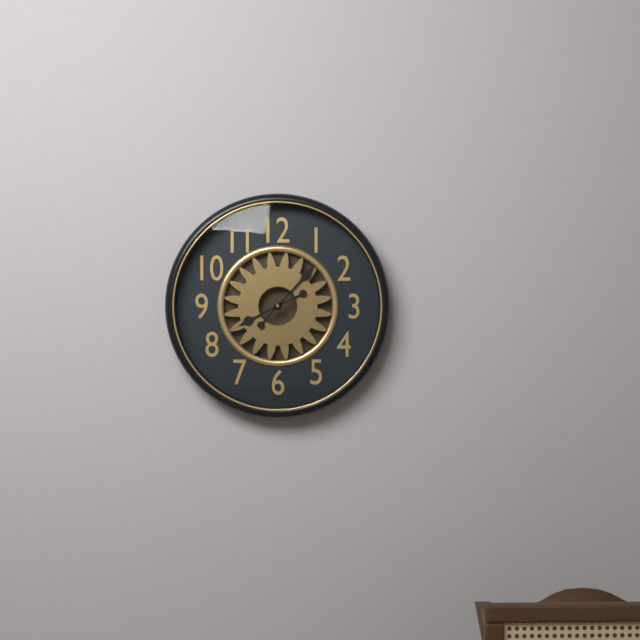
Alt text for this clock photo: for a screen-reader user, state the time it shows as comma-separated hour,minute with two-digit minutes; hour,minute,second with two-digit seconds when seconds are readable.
8,07
